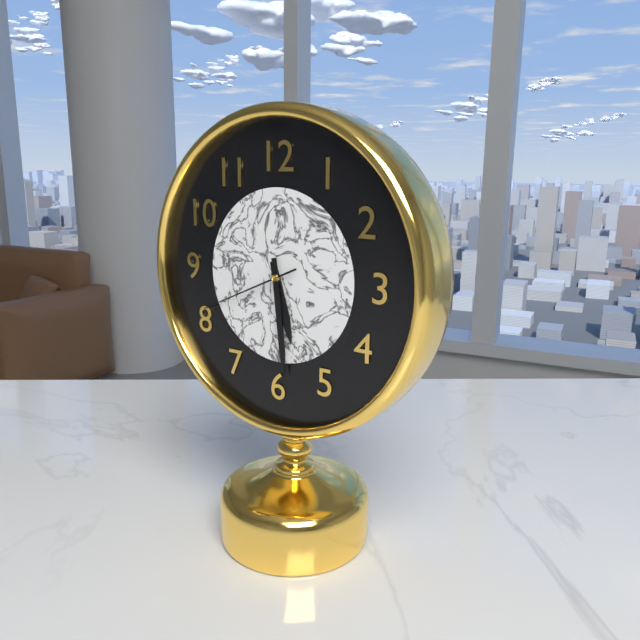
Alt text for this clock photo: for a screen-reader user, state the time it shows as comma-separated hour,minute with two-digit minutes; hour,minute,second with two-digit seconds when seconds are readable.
5,29,41
